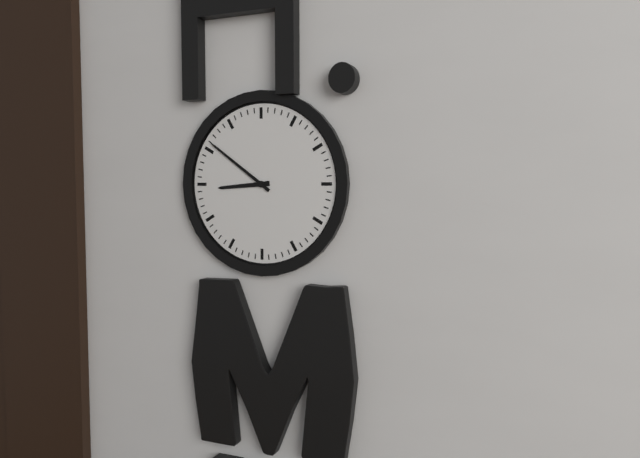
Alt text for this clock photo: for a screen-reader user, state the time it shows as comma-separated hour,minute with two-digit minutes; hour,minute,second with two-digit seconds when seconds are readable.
8,51
